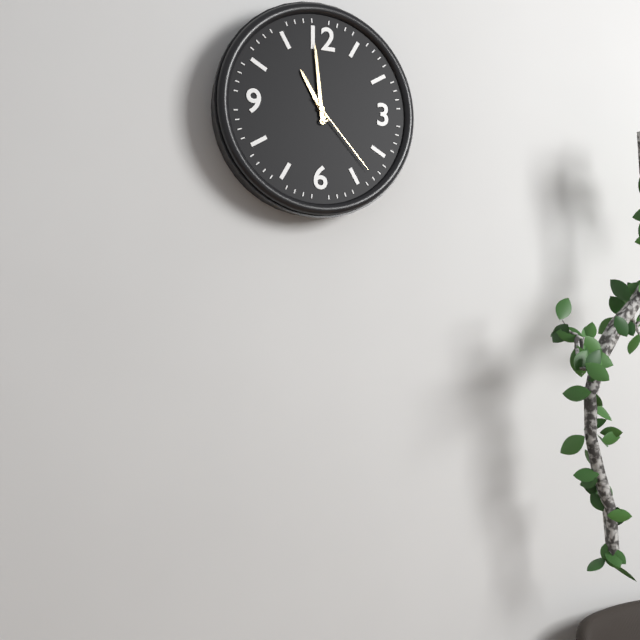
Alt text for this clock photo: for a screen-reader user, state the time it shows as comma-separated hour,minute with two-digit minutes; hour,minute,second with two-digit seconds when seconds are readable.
10,59,23
